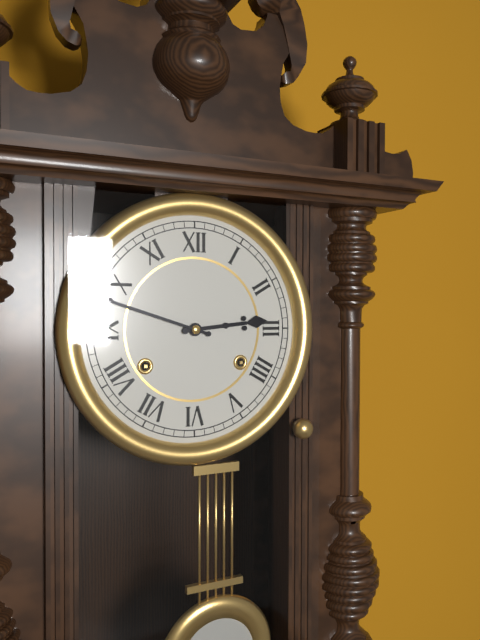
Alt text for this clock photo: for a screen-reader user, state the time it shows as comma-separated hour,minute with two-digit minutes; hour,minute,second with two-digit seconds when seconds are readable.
2,48
